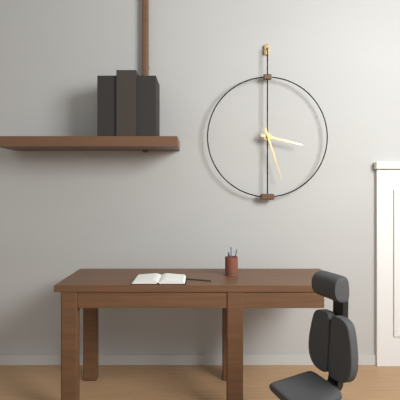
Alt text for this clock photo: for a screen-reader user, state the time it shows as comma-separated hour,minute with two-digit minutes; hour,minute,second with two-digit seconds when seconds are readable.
3,27
